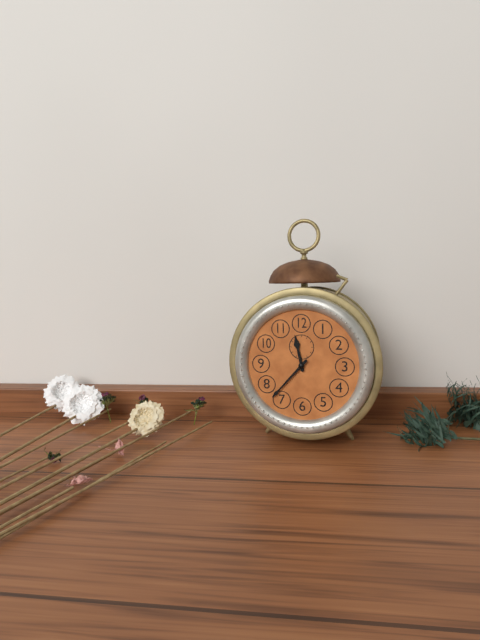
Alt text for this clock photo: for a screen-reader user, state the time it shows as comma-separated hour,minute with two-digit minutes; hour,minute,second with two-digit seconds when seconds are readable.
11,37
